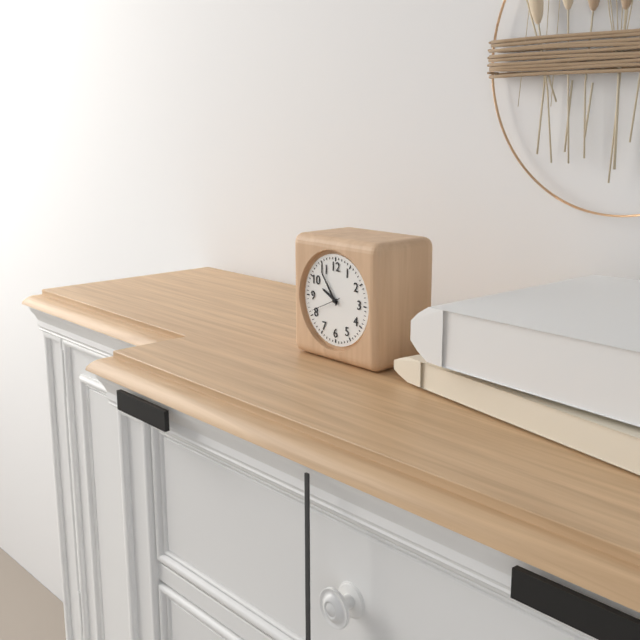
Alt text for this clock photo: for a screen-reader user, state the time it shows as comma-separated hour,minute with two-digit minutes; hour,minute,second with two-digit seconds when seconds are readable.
9,54
